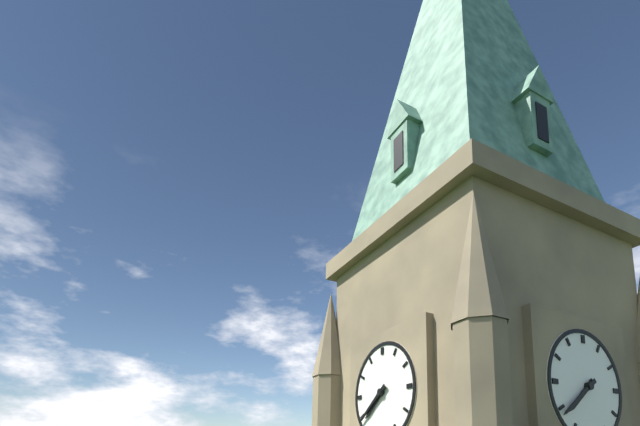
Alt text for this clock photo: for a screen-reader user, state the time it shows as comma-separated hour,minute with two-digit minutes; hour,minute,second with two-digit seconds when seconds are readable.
7,39
